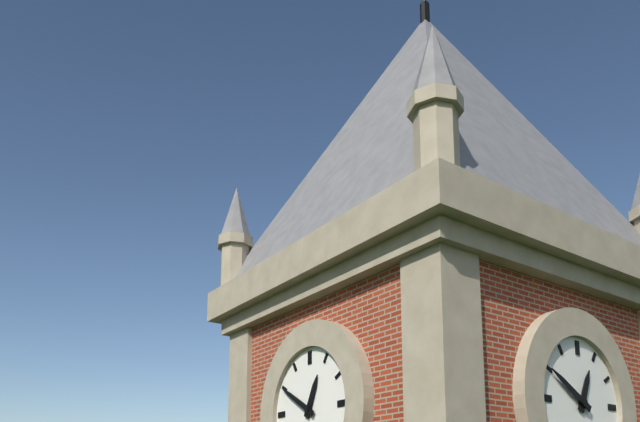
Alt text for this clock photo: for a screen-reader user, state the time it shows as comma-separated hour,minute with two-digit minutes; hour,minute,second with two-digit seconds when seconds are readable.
12,50
